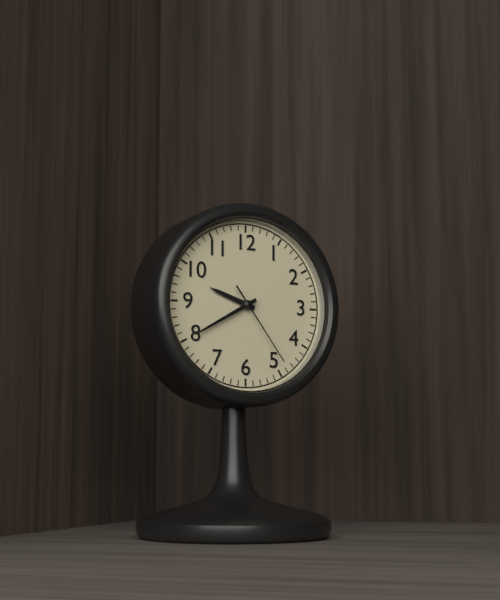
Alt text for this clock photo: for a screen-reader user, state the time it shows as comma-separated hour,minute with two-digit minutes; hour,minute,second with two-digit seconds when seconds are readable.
9,40,24
